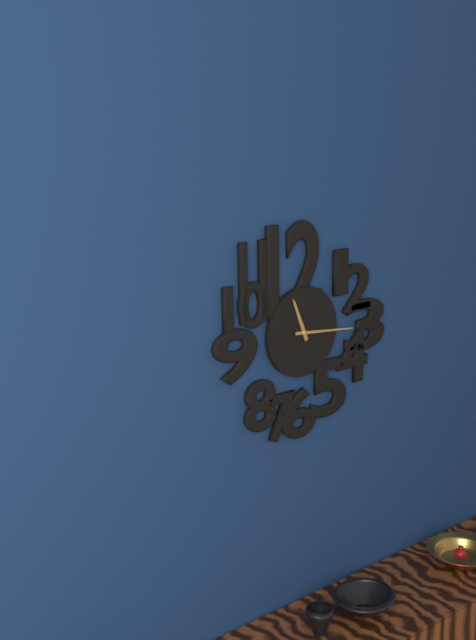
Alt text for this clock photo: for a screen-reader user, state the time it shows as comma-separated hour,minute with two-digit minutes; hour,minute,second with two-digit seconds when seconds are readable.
11,16
